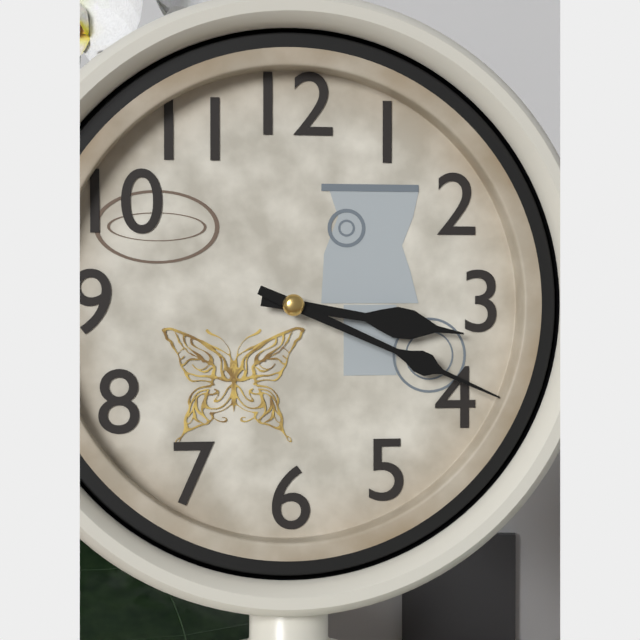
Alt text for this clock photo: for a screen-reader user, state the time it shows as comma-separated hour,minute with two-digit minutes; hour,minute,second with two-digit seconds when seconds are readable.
3,19
